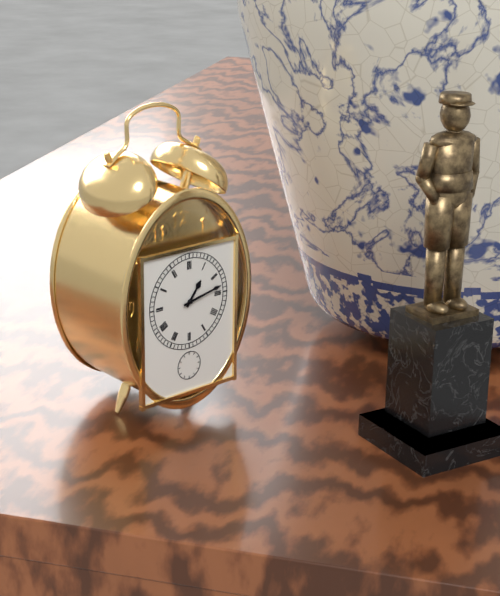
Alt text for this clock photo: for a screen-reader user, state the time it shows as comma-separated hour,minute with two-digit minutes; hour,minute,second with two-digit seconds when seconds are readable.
1,13
